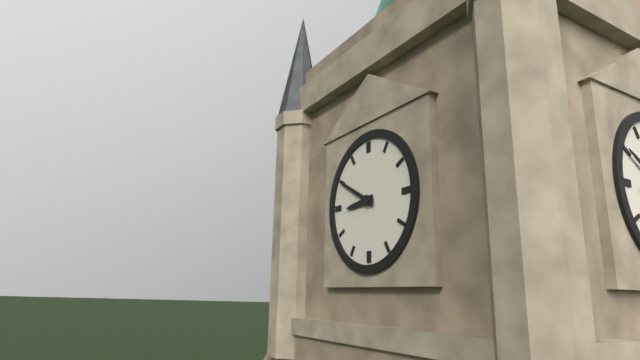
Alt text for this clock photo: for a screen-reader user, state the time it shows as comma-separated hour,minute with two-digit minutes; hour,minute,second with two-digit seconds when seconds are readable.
8,50
